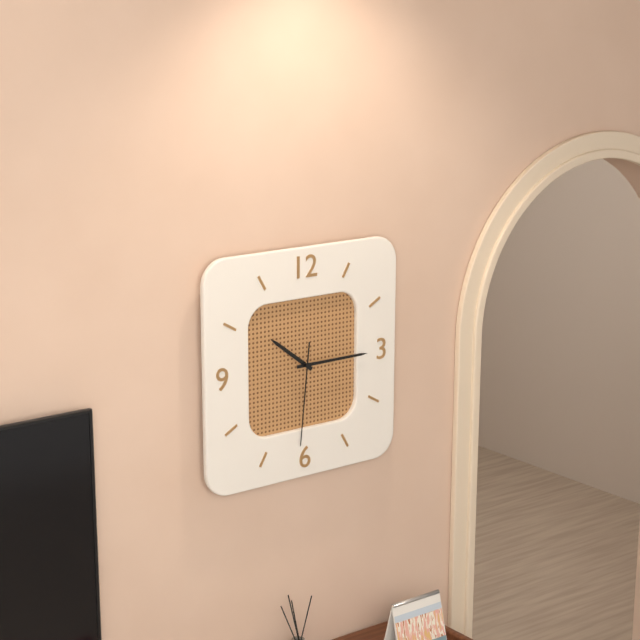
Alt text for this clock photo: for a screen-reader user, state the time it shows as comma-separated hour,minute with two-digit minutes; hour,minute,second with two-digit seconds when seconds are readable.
10,15,31
